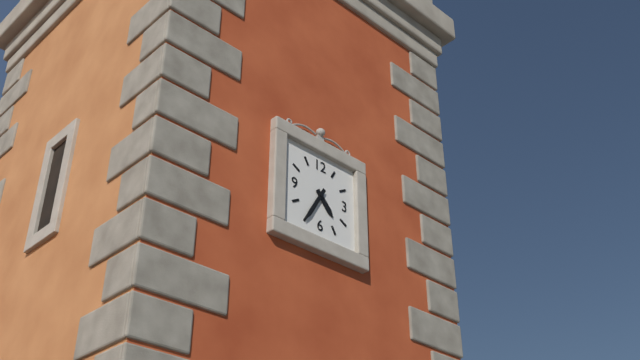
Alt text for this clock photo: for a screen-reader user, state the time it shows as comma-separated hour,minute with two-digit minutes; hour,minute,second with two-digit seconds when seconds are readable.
4,35
